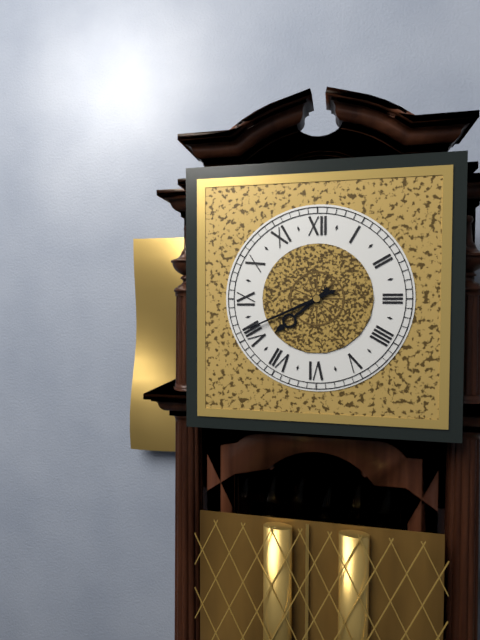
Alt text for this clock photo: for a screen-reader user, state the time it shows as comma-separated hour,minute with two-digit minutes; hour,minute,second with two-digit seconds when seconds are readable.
7,41
